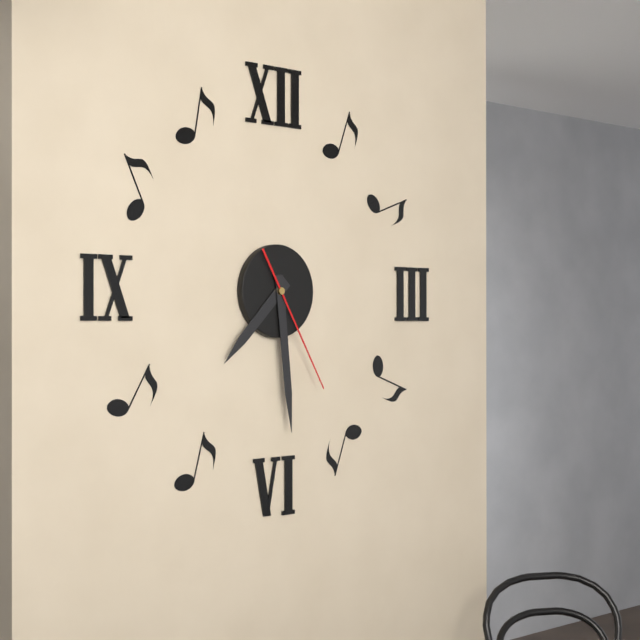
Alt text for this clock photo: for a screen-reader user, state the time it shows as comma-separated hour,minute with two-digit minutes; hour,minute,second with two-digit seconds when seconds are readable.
7,29,25
